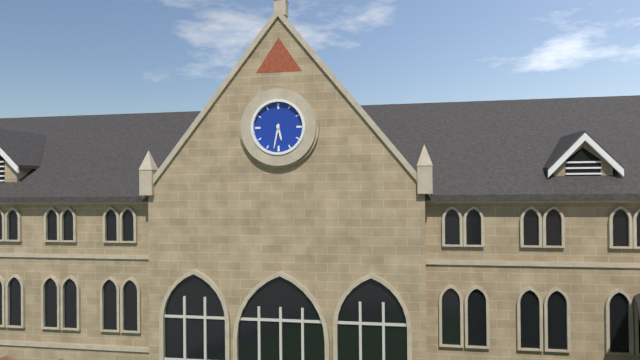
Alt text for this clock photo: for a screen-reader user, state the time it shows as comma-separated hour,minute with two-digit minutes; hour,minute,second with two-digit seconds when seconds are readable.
5,32
